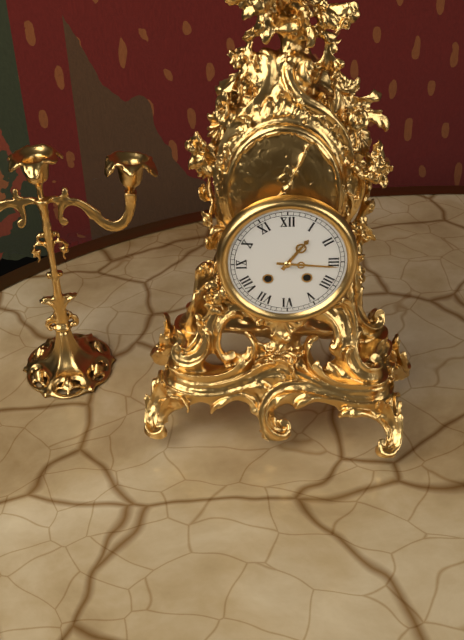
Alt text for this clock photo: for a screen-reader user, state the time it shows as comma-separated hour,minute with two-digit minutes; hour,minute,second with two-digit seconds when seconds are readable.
1,16
